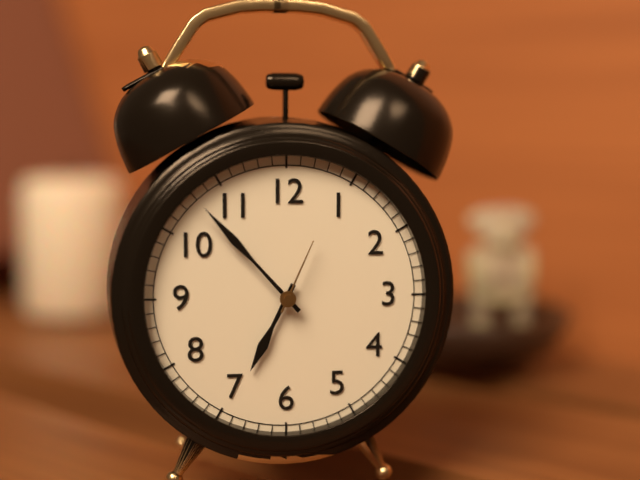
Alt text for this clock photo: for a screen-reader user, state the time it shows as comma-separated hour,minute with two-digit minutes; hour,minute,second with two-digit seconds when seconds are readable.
6,53,04
